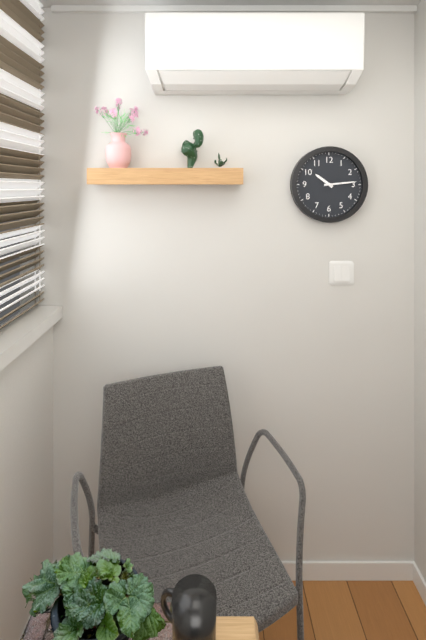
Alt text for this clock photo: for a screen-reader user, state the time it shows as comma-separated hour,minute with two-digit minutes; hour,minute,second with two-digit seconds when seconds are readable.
10,14
